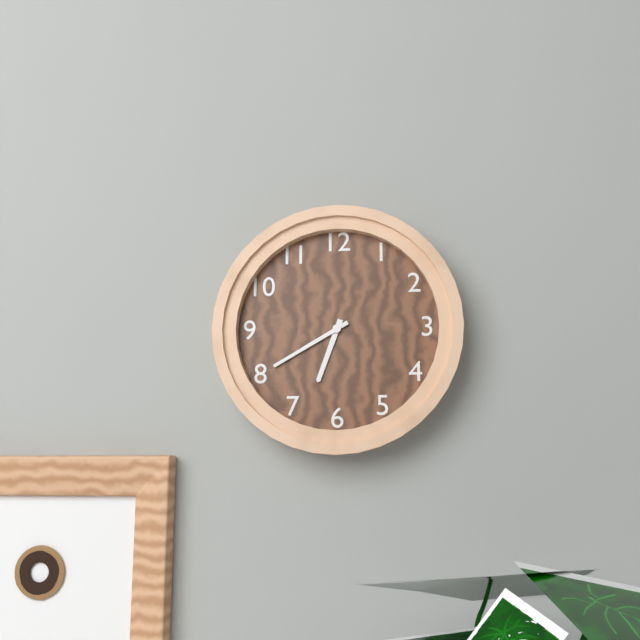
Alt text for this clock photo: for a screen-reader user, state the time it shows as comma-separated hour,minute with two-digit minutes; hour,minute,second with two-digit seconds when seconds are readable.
6,40
